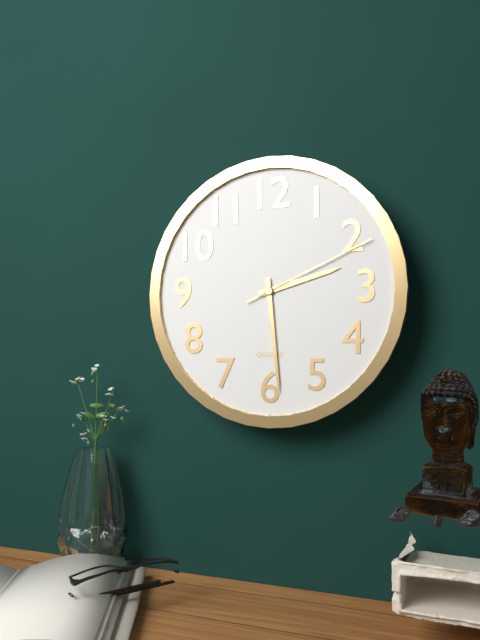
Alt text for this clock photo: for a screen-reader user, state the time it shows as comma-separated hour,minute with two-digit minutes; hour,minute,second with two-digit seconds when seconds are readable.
2,29,11
